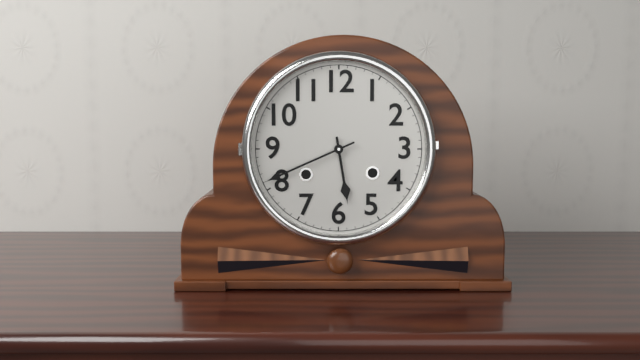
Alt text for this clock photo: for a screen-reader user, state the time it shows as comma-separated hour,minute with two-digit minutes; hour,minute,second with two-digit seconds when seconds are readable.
5,41
